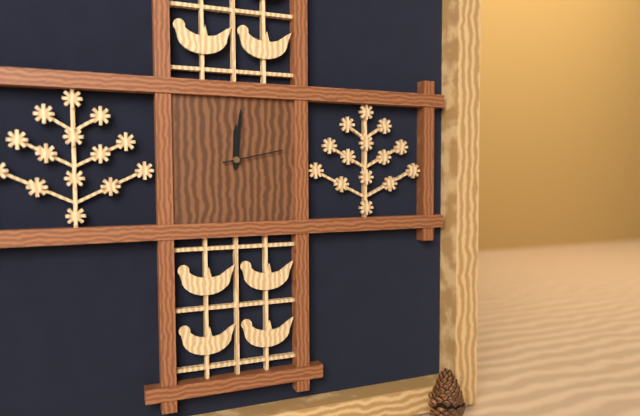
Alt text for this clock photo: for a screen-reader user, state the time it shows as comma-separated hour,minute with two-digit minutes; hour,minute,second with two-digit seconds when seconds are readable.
12,01,13
